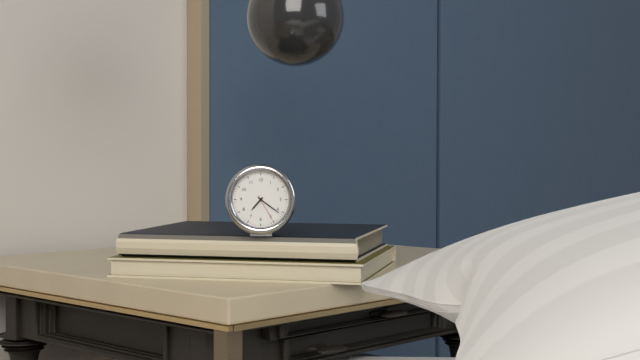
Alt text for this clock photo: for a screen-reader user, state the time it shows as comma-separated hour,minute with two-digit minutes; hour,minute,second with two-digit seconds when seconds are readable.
7,21
